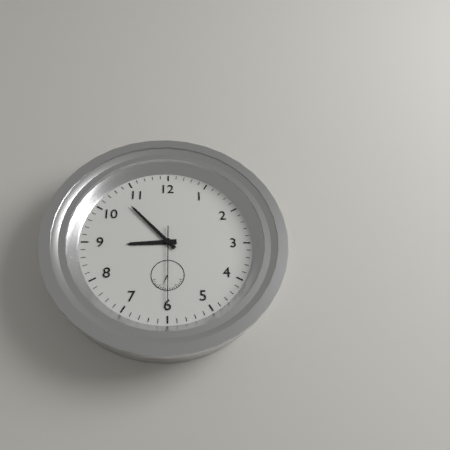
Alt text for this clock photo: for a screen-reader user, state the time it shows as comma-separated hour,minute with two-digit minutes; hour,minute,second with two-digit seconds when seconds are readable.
8,53,30
